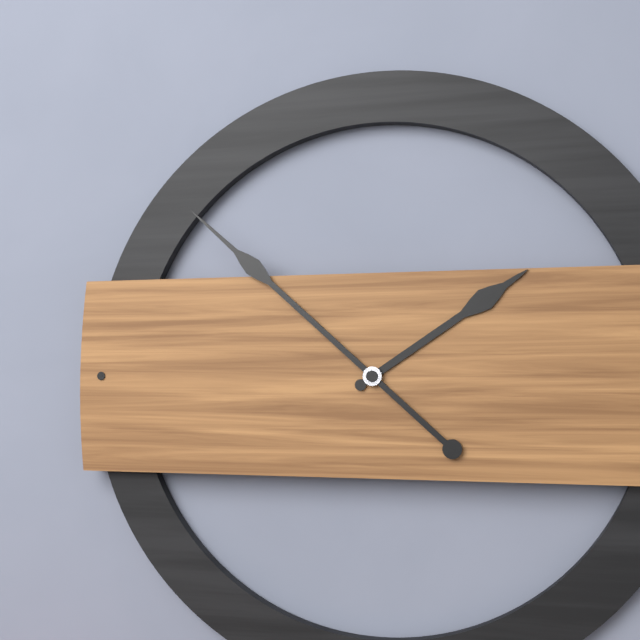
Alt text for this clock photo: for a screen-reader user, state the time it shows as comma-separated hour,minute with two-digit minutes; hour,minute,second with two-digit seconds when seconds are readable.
1,52
